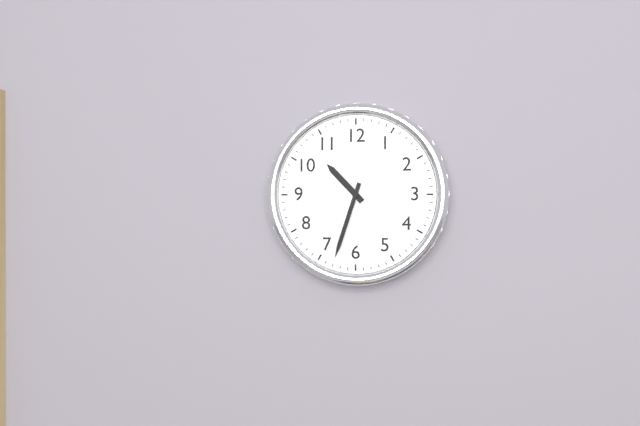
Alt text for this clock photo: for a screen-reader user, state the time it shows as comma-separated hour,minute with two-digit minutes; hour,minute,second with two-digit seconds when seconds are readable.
10,33
